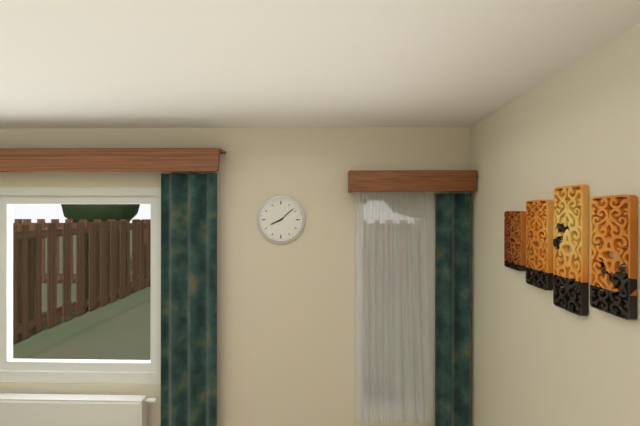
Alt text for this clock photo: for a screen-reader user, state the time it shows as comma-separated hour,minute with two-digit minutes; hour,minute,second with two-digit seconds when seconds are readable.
8,08
